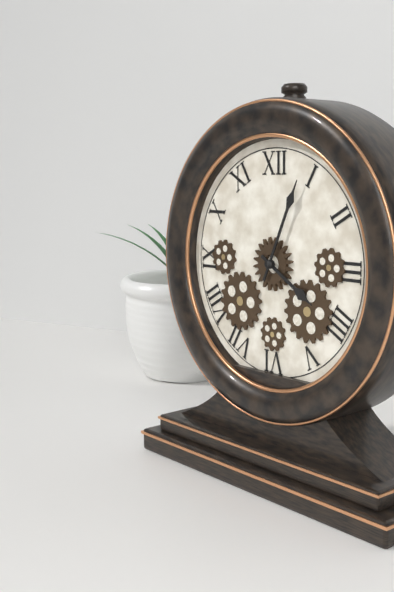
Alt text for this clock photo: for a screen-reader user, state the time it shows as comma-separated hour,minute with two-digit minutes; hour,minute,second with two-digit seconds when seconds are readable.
4,04
